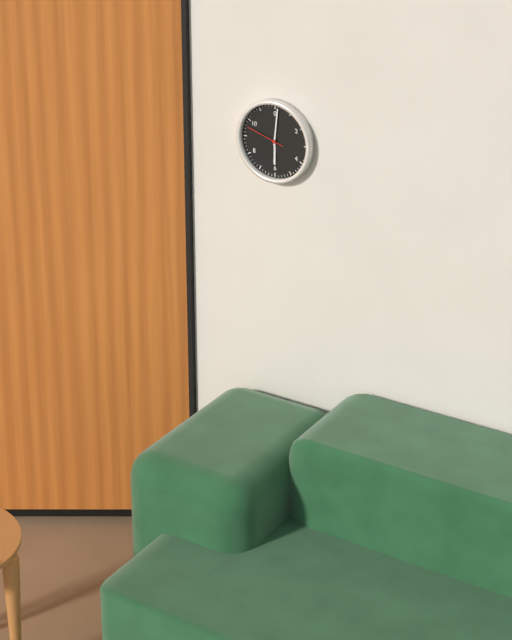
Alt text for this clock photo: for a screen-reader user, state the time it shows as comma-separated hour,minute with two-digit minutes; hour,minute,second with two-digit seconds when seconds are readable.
6,01
